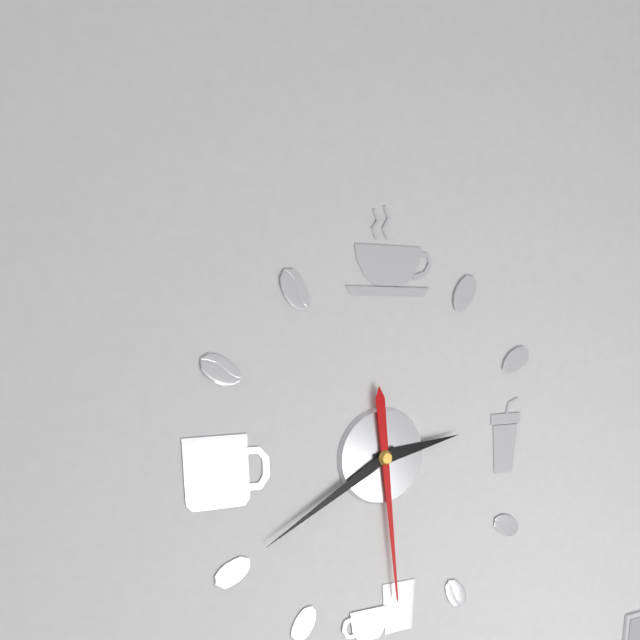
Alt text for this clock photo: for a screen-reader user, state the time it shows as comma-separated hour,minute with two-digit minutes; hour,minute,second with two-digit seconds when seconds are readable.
2,40,29
